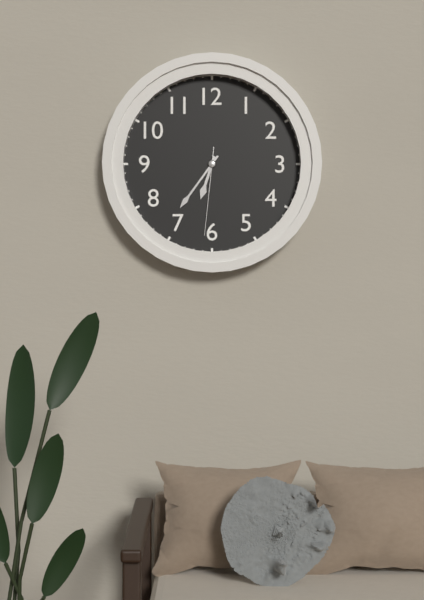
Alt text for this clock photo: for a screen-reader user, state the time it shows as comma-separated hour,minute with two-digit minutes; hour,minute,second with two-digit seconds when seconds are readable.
6,36,31
